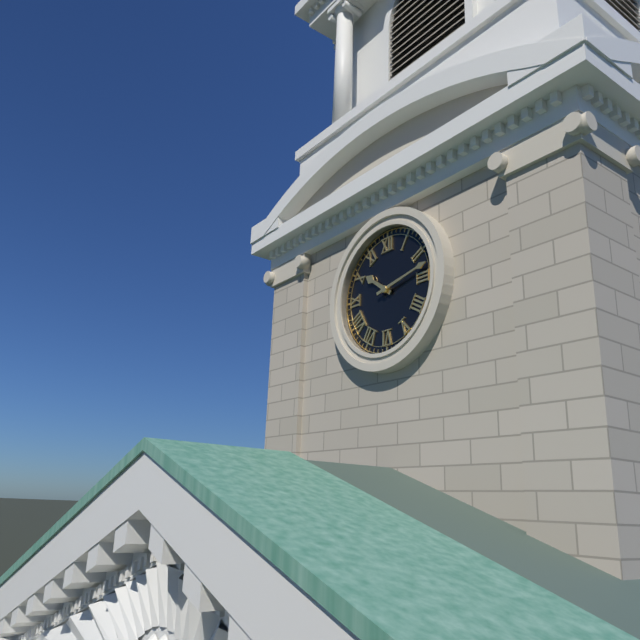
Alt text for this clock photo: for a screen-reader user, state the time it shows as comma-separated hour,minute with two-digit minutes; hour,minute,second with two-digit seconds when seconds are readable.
10,13
